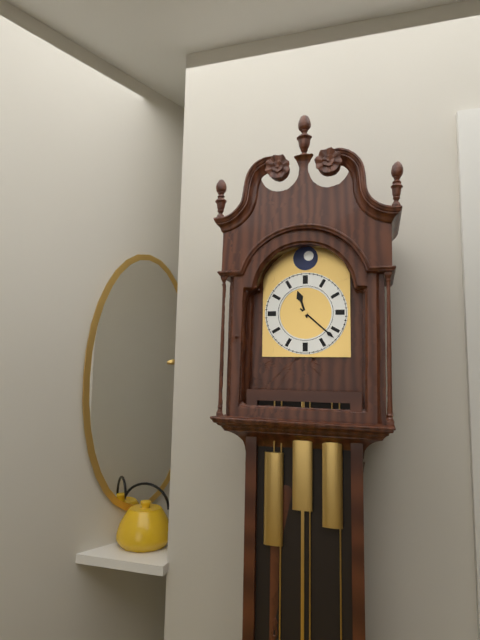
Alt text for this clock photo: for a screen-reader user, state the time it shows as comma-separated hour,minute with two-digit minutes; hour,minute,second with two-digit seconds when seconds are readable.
11,22
